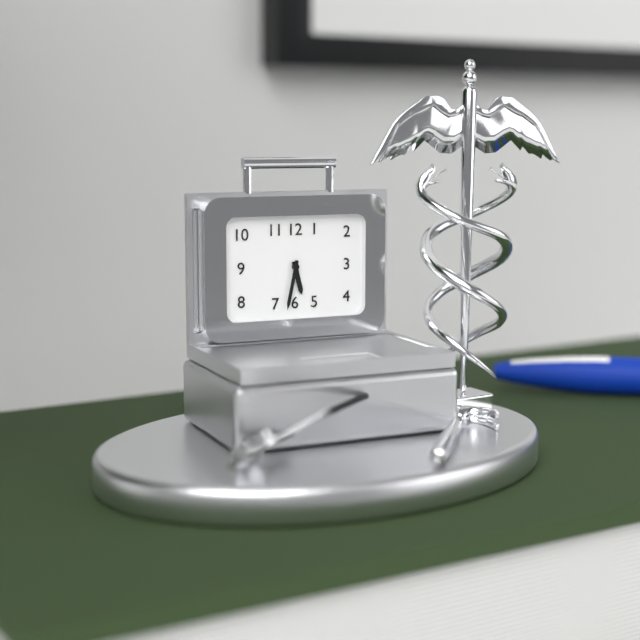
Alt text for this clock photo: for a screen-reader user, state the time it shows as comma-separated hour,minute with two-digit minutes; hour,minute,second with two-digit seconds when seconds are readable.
5,32
